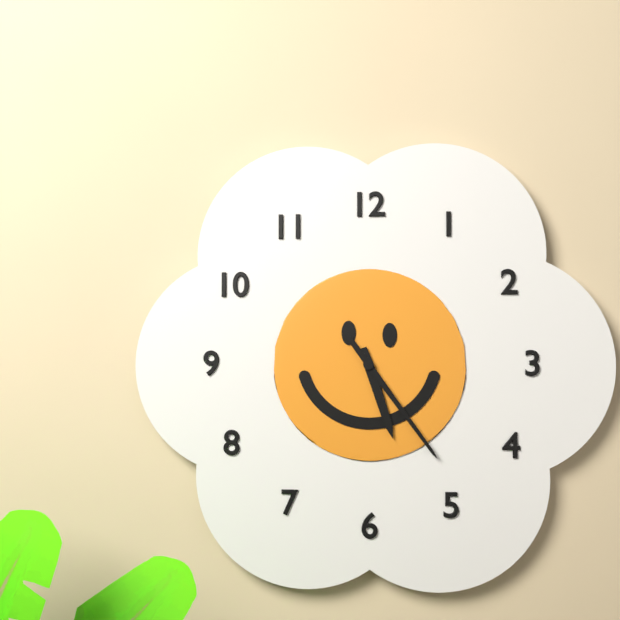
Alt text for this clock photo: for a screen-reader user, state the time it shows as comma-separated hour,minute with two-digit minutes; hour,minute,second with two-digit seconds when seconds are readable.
5,24
